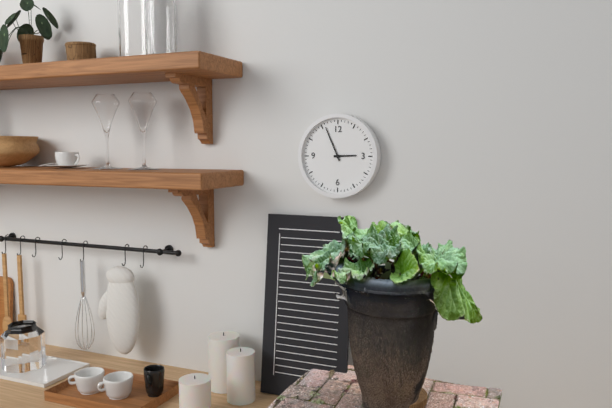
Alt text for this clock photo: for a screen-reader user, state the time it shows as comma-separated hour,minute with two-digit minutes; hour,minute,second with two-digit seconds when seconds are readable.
2,56
